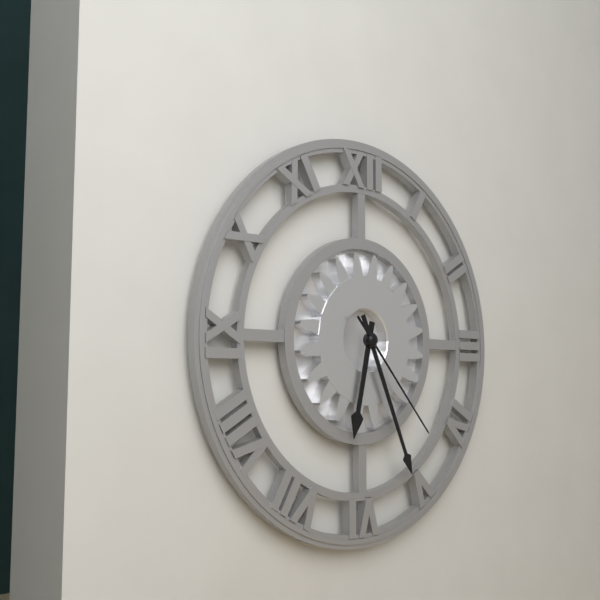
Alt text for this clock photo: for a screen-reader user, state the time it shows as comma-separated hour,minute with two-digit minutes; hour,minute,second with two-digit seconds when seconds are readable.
6,26,23
